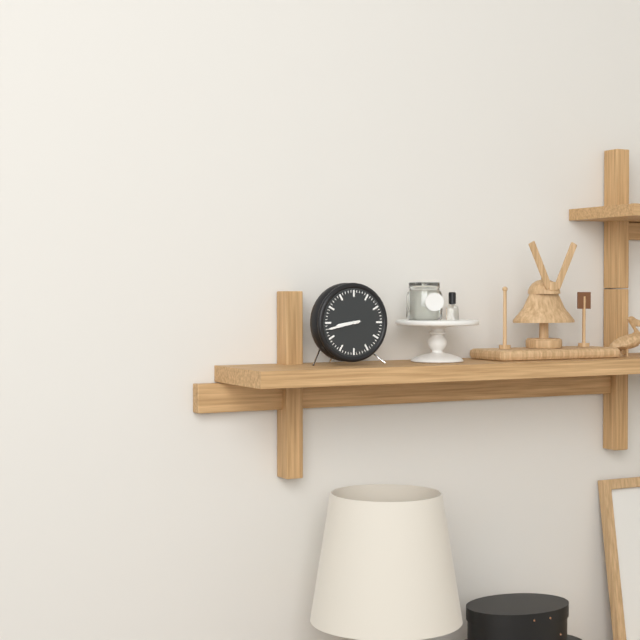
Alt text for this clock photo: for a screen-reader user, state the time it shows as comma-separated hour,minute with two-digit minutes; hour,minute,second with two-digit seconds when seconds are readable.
8,43
